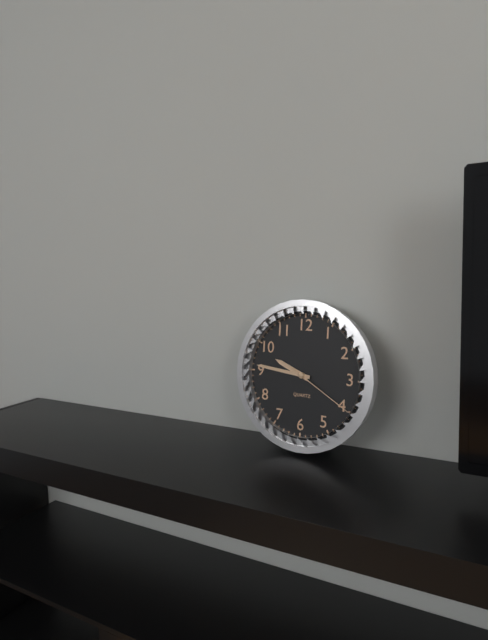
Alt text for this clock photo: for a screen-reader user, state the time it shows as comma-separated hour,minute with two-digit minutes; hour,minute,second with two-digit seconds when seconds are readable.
9,46,20
